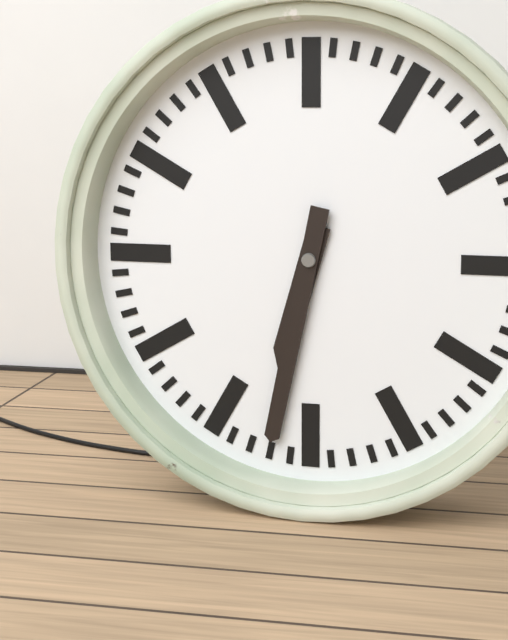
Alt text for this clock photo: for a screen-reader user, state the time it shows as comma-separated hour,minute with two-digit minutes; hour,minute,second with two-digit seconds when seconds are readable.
6,32
